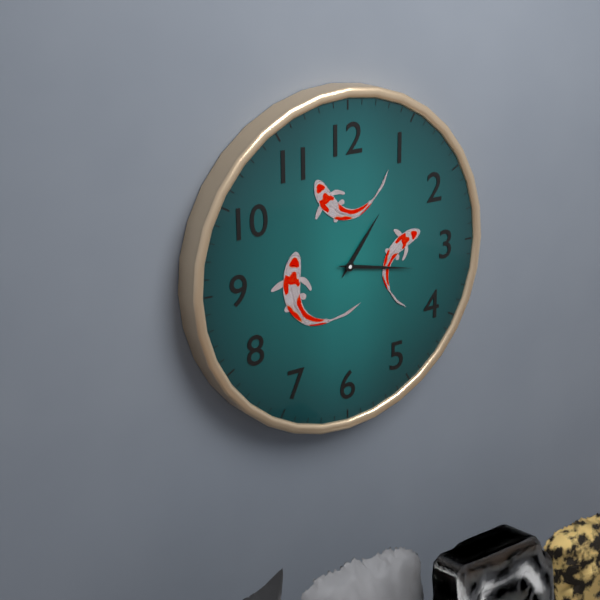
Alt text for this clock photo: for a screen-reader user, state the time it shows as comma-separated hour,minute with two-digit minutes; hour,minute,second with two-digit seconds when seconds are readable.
1,17
